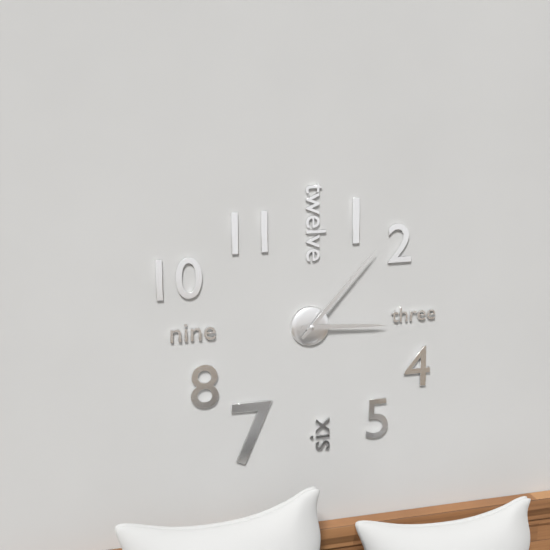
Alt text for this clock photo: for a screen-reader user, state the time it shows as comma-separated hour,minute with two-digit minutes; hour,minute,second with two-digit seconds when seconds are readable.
3,07
